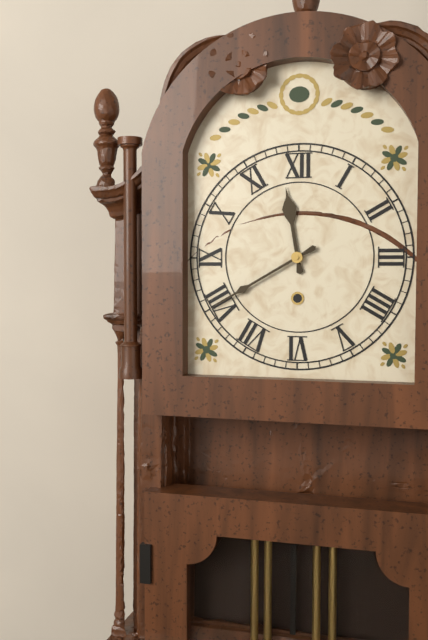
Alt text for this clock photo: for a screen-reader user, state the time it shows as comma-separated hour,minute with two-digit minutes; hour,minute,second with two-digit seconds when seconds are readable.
11,40
